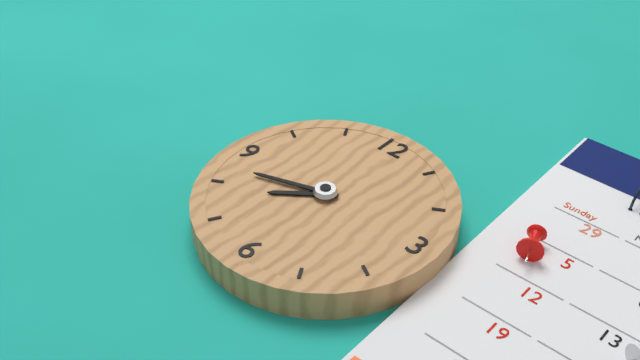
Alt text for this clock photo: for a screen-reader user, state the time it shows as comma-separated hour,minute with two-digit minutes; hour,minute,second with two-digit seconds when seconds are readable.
7,42
